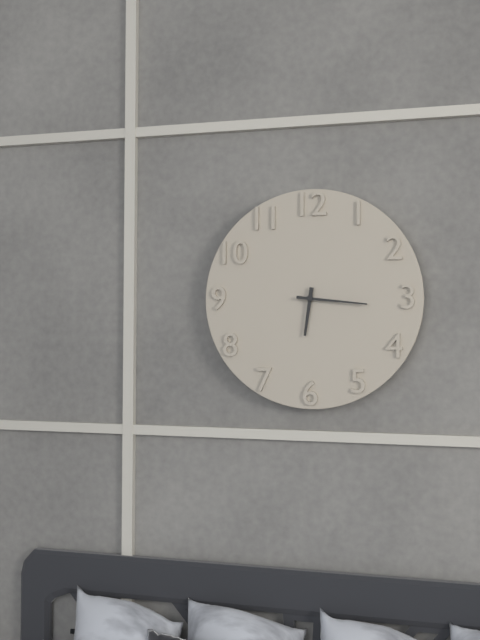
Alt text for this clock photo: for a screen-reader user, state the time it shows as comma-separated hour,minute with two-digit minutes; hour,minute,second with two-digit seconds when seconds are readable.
6,16
